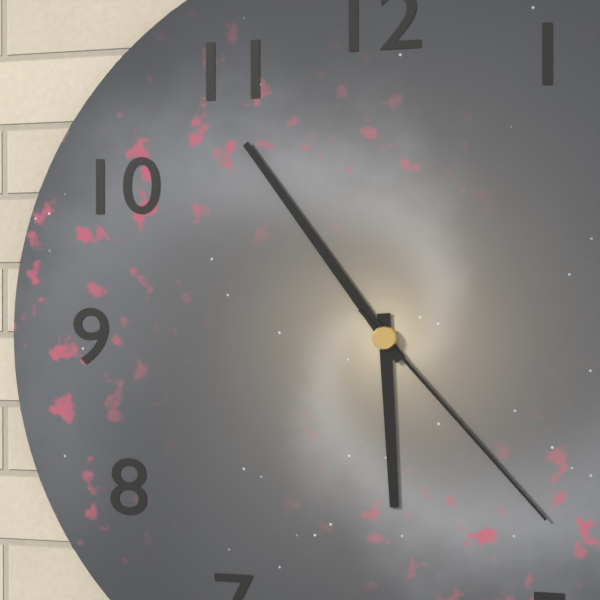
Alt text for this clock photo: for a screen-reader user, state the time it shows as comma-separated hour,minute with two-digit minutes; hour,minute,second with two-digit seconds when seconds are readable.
5,54,23
